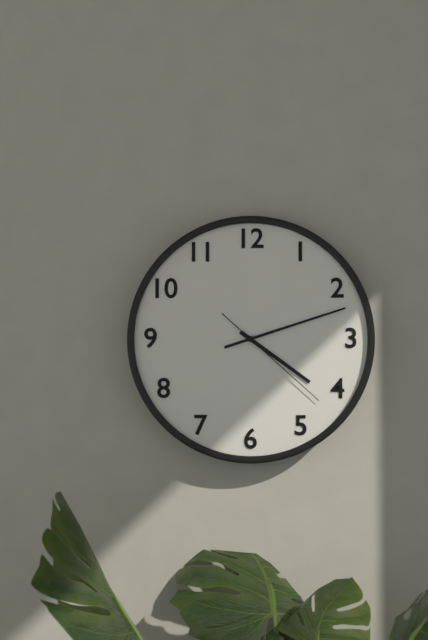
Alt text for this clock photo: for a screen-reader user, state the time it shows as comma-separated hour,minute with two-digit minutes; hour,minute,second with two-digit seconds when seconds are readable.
4,12,22
